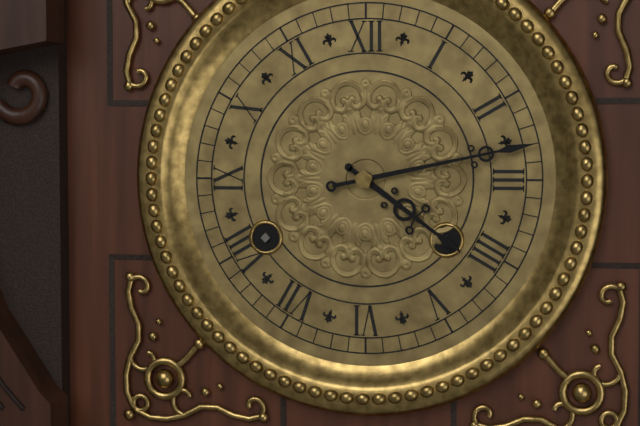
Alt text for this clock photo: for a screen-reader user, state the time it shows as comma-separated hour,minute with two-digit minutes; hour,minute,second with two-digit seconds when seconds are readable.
4,13
